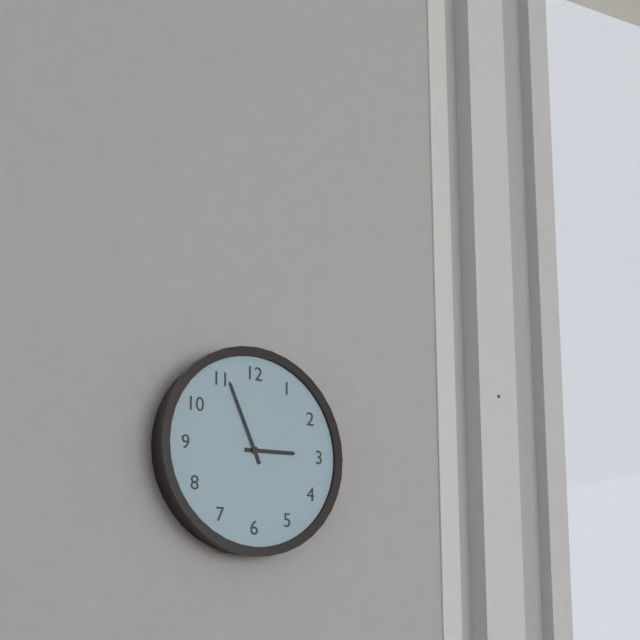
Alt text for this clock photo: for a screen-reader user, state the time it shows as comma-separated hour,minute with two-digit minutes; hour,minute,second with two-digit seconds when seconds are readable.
2,56
